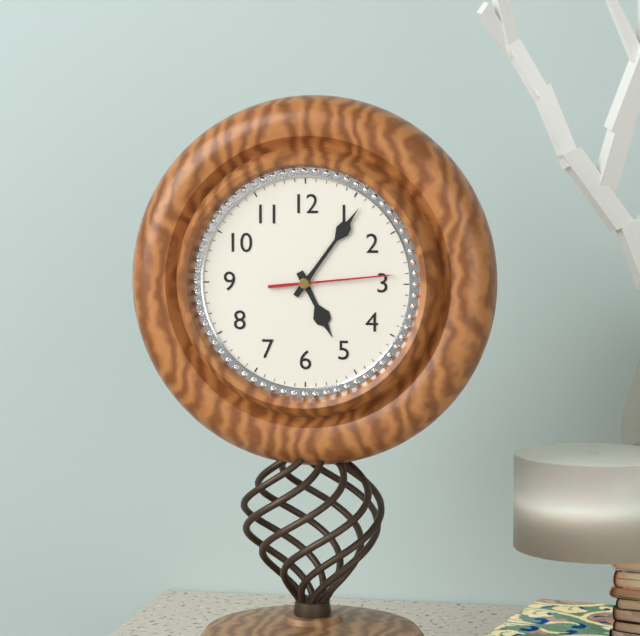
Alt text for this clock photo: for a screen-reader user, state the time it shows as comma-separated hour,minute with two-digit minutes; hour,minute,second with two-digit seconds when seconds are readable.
5,06,14
